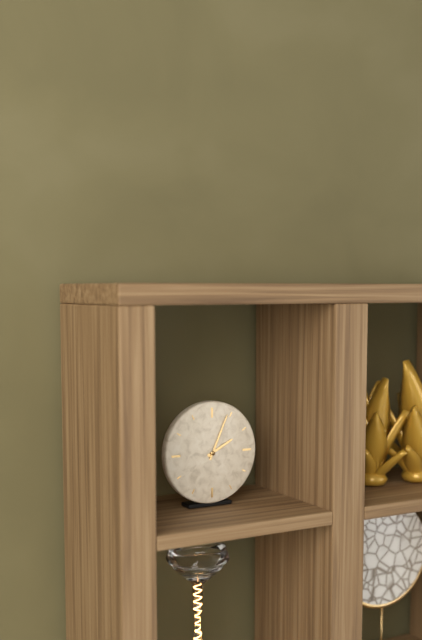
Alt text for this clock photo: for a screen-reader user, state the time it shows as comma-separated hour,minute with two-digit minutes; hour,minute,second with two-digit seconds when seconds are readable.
2,04
